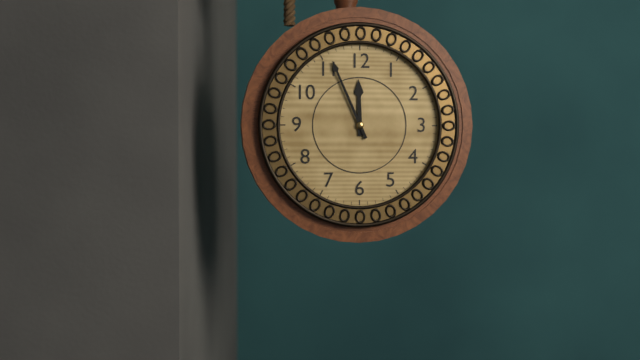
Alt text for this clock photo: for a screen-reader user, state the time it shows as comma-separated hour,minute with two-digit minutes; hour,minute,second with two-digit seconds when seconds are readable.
11,56
